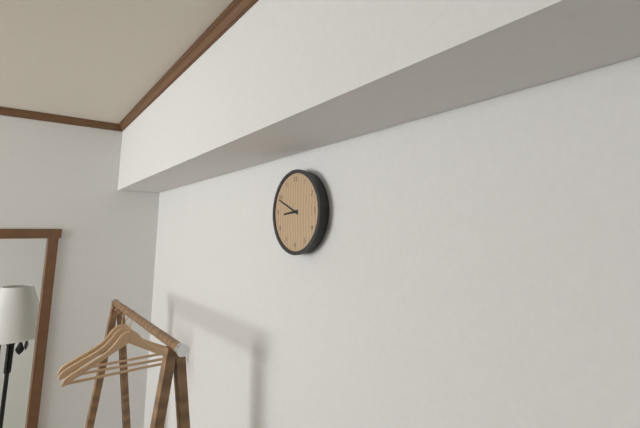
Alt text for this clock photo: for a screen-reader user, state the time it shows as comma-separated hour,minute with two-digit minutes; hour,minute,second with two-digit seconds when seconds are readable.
8,49
